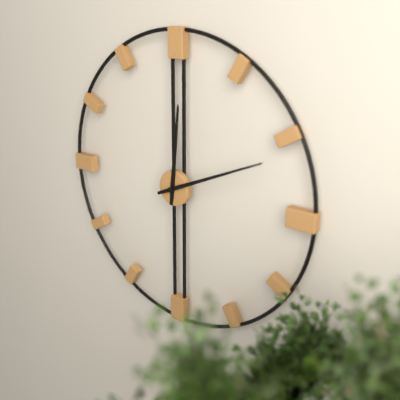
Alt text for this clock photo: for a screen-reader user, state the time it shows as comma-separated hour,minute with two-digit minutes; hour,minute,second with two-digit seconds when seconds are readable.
12,11
